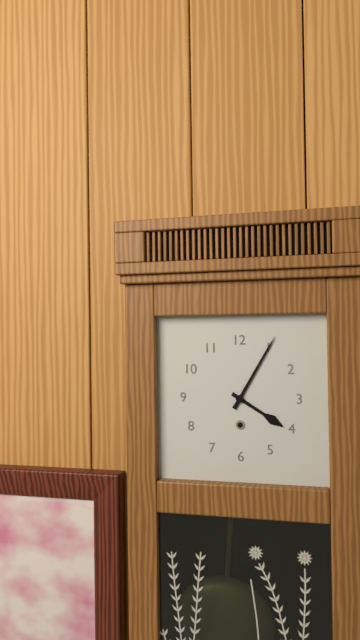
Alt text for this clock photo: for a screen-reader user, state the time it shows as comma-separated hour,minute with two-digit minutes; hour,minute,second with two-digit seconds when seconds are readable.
4,05
